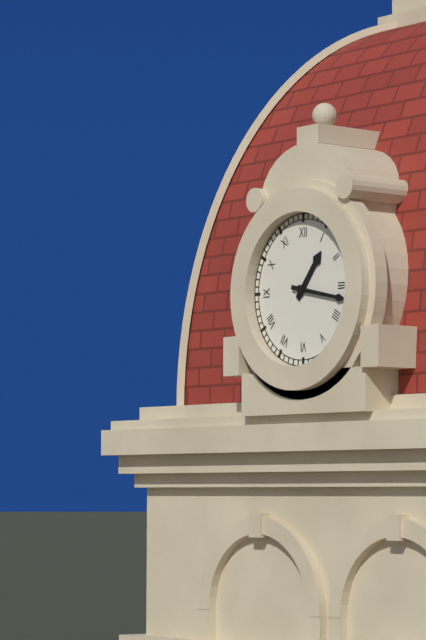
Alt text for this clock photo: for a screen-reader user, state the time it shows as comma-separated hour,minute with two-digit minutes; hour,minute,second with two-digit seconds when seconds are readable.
1,17
